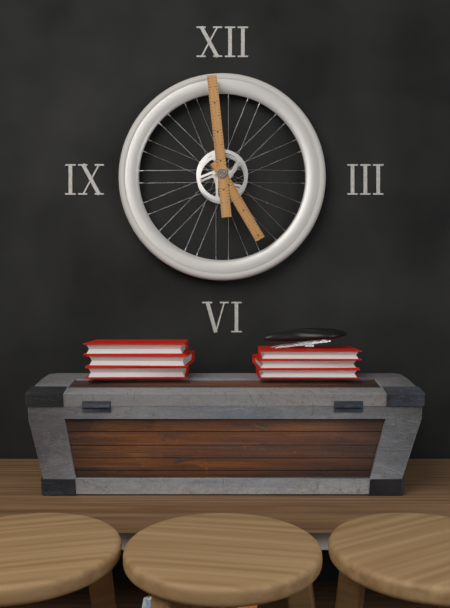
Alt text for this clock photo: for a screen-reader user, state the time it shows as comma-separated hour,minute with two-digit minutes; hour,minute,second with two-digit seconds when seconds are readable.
4,59
